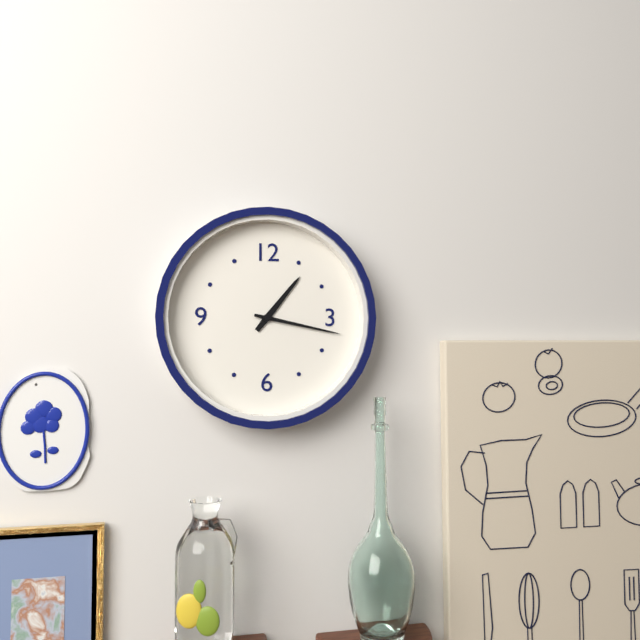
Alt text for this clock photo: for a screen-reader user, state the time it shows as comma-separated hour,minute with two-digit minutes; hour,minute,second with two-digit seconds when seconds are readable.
1,17
